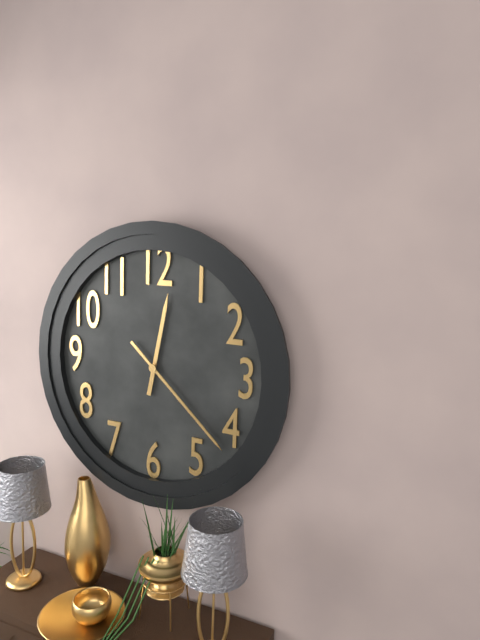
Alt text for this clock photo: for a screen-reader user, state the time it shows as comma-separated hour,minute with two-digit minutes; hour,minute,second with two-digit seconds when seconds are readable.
12,22
